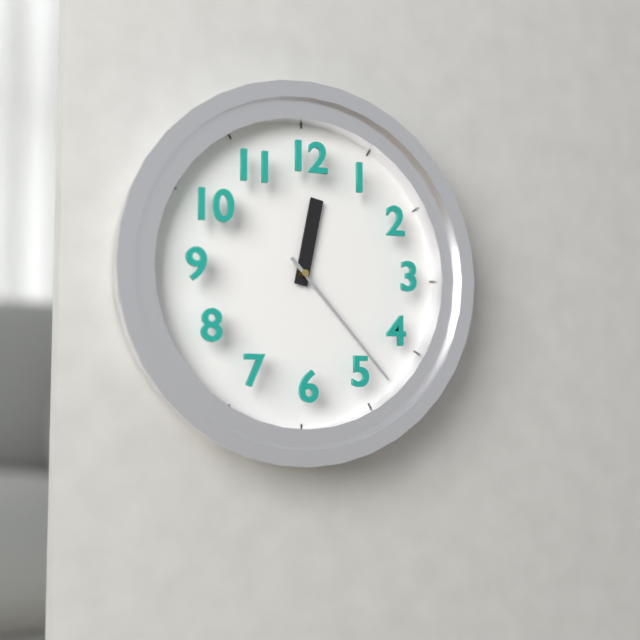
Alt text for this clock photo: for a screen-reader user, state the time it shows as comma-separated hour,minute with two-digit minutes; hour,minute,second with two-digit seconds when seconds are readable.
12,23
